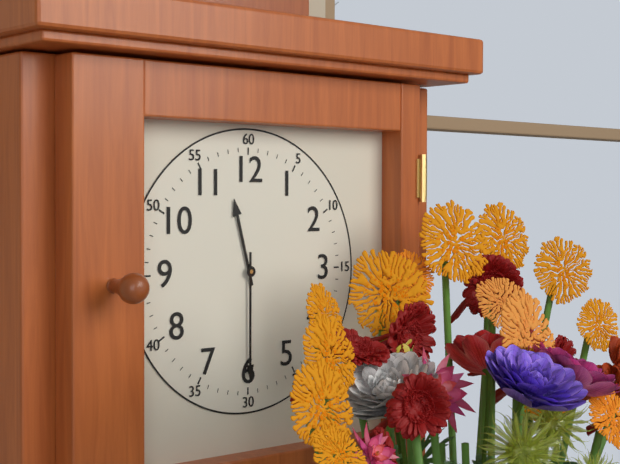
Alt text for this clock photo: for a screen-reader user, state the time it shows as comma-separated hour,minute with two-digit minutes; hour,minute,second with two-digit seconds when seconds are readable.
11,30
